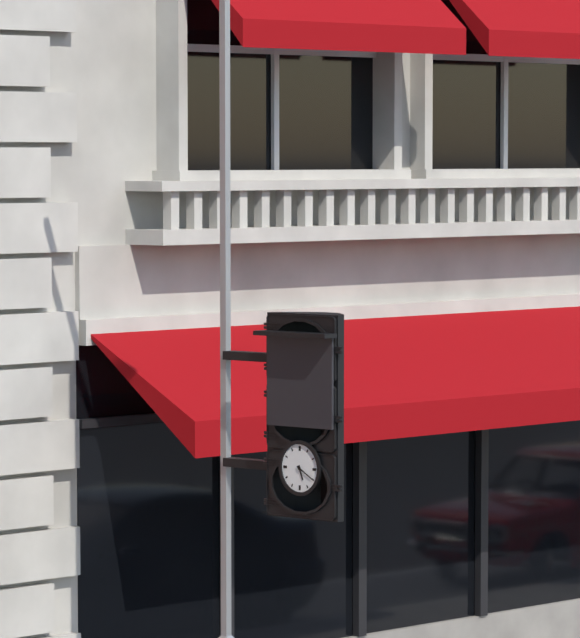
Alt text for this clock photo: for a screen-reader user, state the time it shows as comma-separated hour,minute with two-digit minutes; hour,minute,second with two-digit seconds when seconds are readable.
5,20
